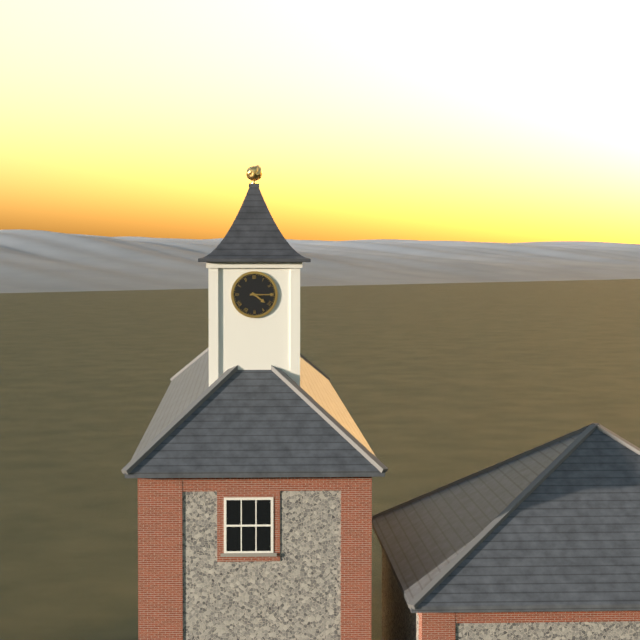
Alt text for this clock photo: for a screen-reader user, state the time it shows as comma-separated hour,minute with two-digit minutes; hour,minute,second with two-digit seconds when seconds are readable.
4,15
